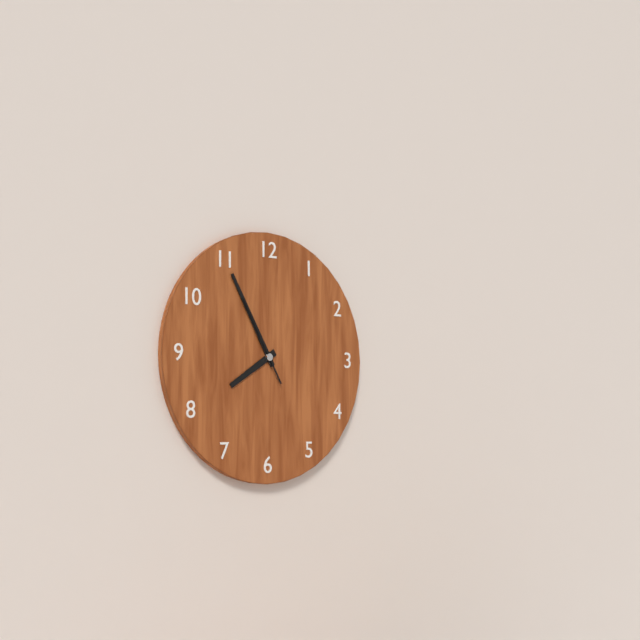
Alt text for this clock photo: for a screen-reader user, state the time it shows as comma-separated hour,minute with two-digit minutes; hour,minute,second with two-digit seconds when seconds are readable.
7,55,55
